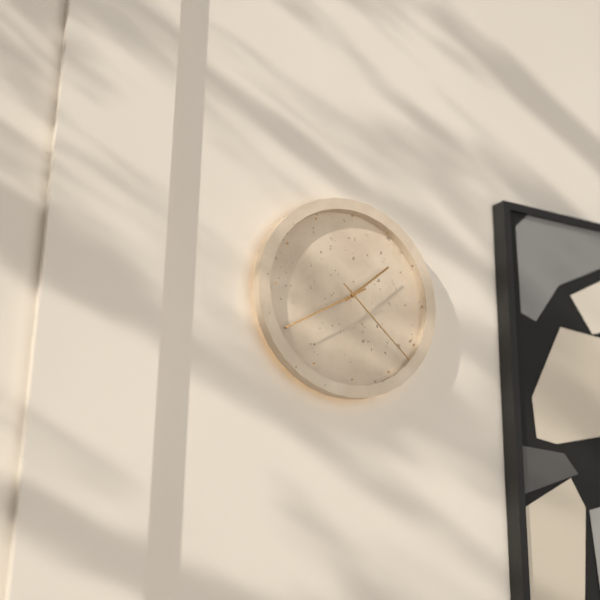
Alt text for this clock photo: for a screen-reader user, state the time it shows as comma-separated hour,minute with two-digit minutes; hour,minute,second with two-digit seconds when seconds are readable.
1,40,22
